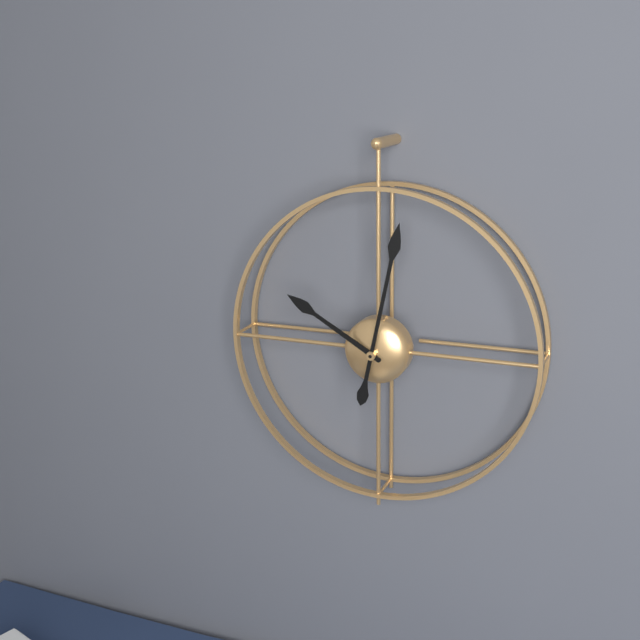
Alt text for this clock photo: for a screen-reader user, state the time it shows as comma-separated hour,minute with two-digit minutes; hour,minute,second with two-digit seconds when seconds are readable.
10,02
